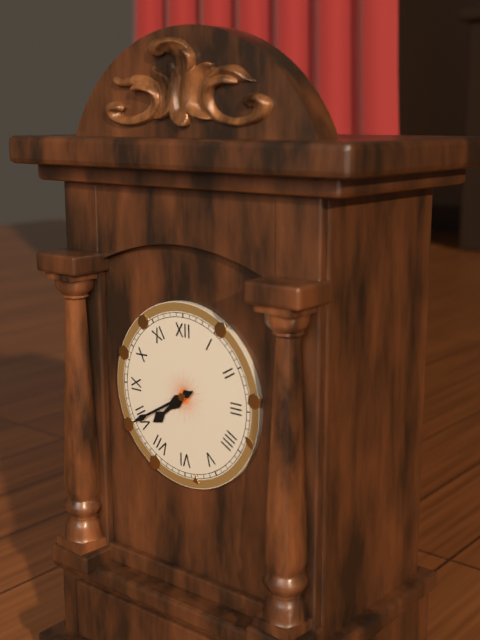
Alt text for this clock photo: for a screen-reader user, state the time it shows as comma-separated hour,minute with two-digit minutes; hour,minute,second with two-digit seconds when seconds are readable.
7,40
